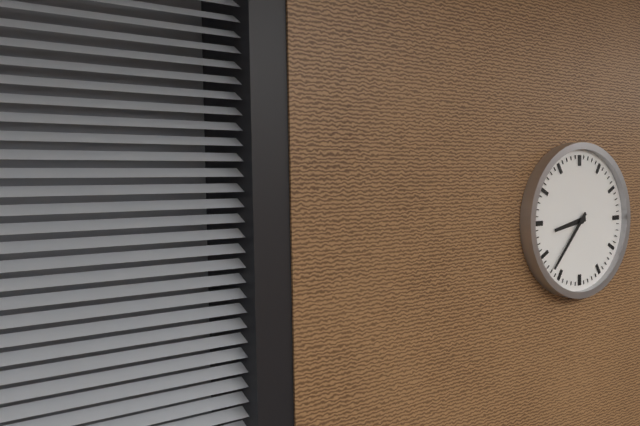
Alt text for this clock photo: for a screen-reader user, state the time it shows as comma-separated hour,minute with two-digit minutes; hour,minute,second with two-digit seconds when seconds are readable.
8,37
